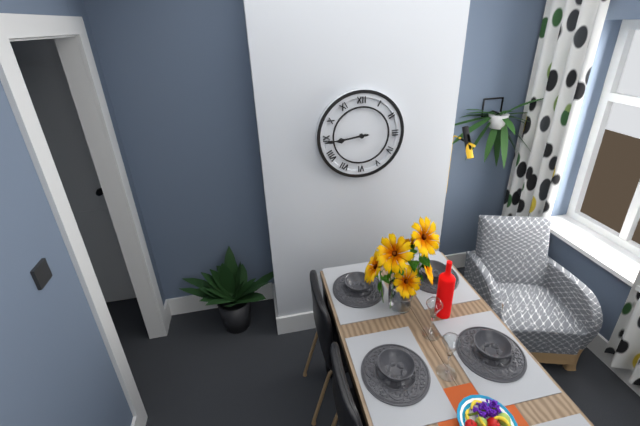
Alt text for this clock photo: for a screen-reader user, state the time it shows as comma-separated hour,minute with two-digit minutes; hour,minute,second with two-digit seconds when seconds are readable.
8,44
